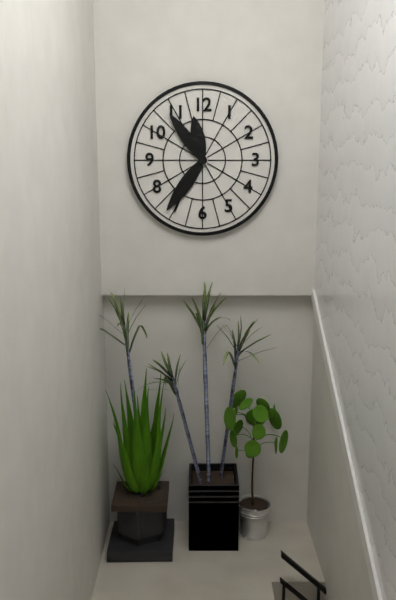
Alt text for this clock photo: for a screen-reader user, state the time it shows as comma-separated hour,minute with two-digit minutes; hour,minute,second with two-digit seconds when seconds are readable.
11,36,54
